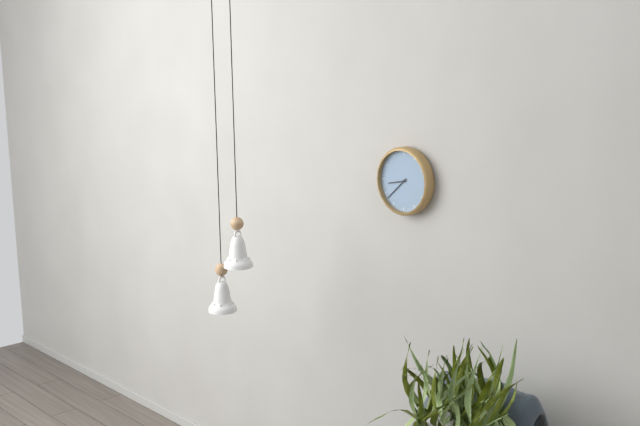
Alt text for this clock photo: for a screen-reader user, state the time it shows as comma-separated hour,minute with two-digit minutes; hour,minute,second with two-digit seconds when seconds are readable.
8,38
